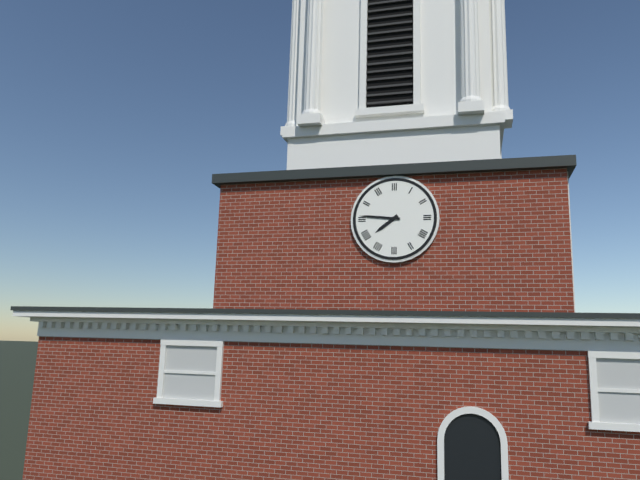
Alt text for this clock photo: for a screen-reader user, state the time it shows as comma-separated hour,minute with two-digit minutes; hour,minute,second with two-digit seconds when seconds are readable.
7,46
